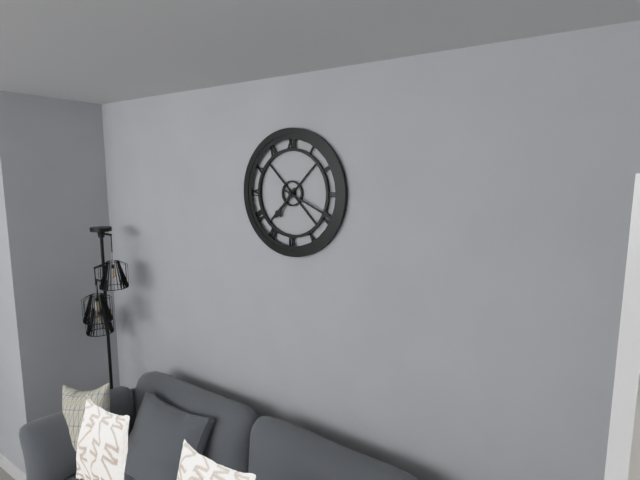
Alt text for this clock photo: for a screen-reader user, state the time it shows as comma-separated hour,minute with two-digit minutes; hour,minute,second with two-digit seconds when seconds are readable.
7,19
